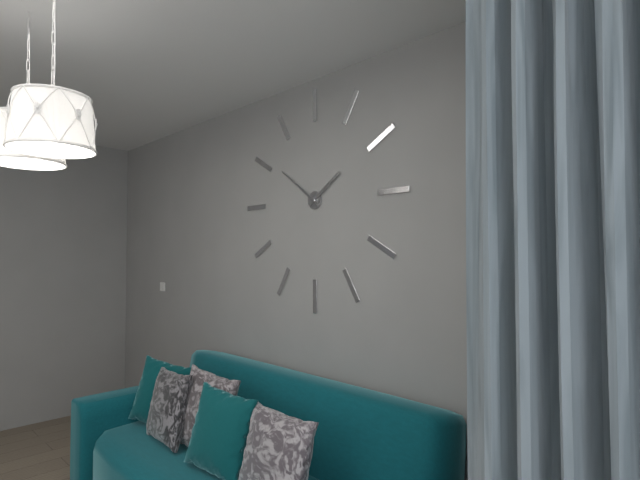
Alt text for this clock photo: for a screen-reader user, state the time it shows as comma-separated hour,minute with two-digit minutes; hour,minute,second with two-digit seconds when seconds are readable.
1,51
